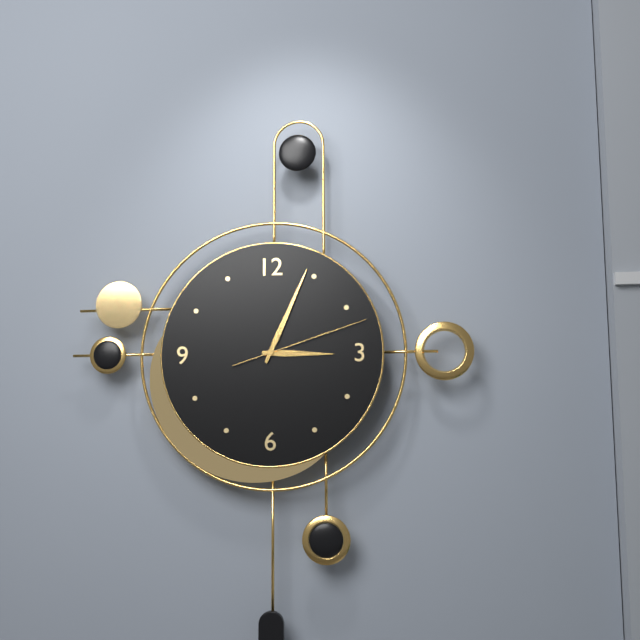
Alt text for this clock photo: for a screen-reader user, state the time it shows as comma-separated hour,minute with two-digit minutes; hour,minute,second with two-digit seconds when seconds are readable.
3,04,12
